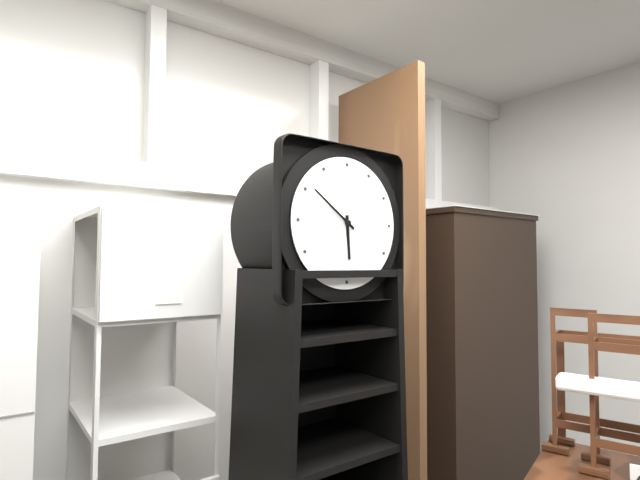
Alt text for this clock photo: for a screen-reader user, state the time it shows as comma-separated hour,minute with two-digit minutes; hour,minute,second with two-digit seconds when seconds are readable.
5,51
